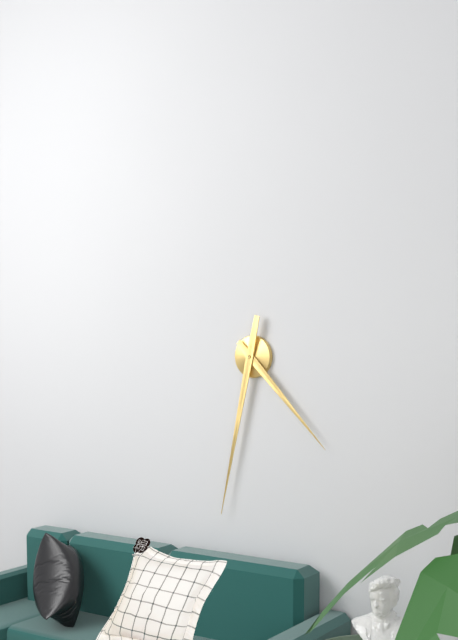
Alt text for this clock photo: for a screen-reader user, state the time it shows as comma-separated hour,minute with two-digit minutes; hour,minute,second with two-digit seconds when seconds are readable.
4,32
